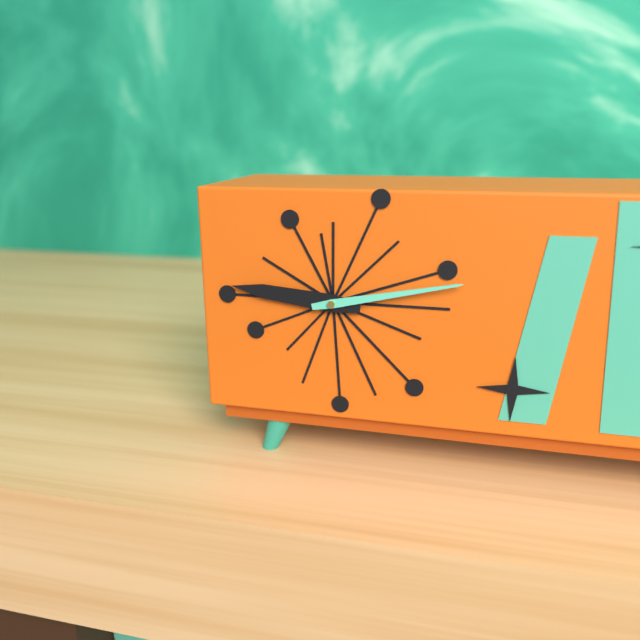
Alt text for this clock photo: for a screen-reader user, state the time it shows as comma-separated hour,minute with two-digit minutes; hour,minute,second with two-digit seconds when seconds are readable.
9,13
